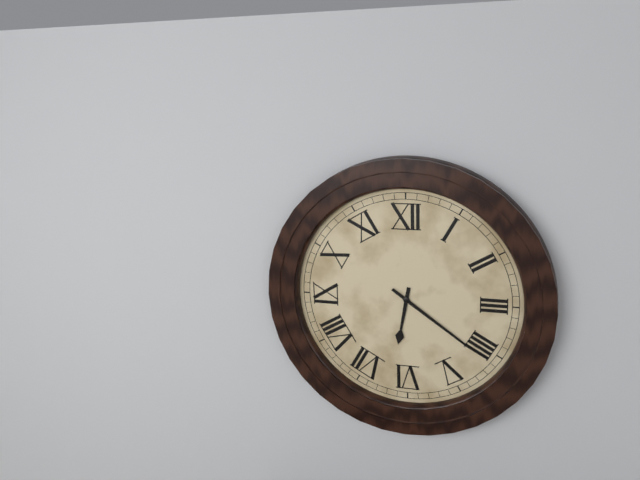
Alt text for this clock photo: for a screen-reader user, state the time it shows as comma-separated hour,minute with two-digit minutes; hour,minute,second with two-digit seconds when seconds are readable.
6,21
